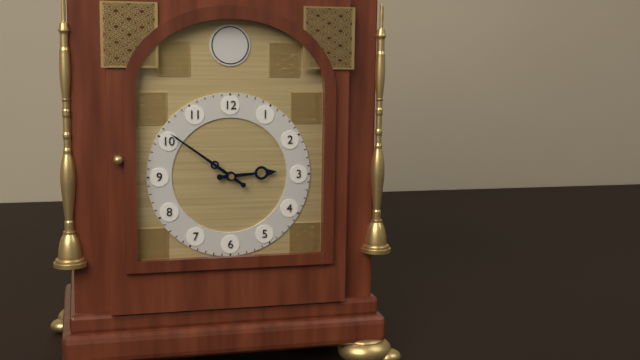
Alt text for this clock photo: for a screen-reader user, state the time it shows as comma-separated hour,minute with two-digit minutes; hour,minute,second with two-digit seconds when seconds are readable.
2,51
